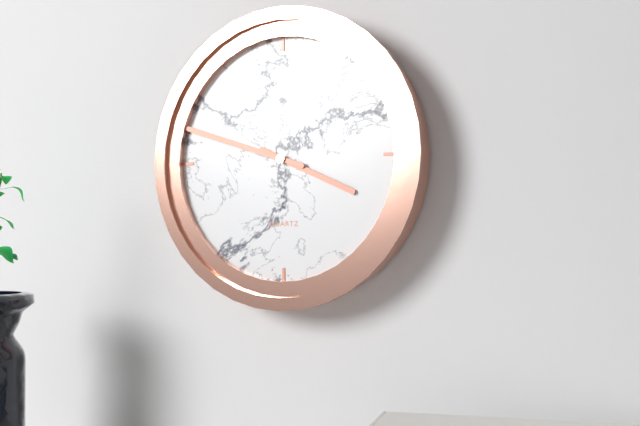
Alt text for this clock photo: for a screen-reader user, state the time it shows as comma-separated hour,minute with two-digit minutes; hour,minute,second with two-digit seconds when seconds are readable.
3,48
